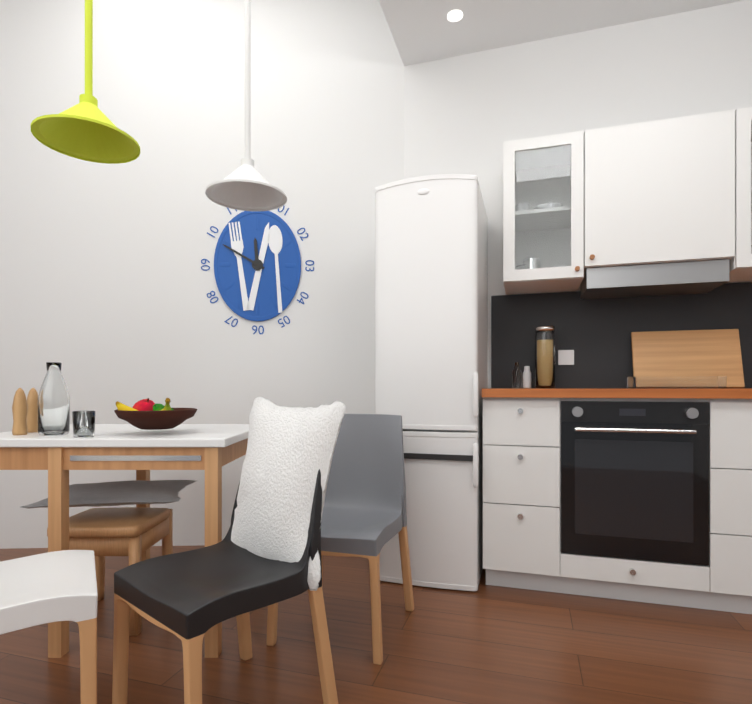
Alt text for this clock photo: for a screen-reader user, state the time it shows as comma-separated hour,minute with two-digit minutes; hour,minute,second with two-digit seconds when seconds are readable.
11,50
